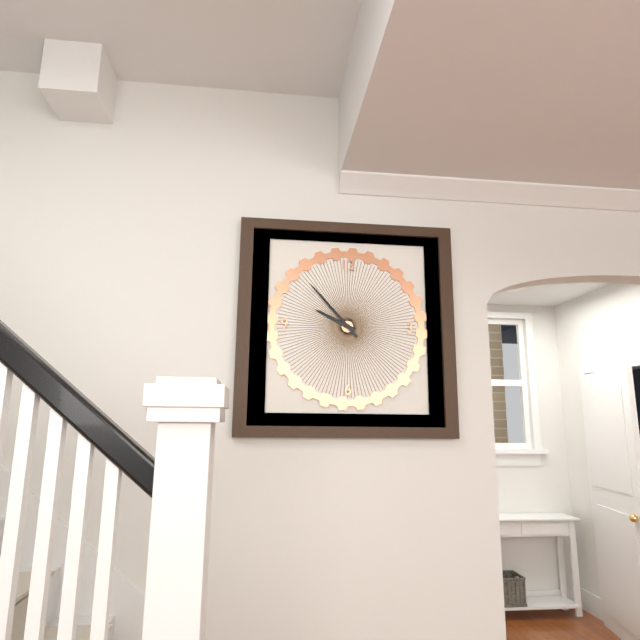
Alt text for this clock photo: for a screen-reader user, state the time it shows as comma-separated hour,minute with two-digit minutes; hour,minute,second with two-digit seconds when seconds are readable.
9,53
